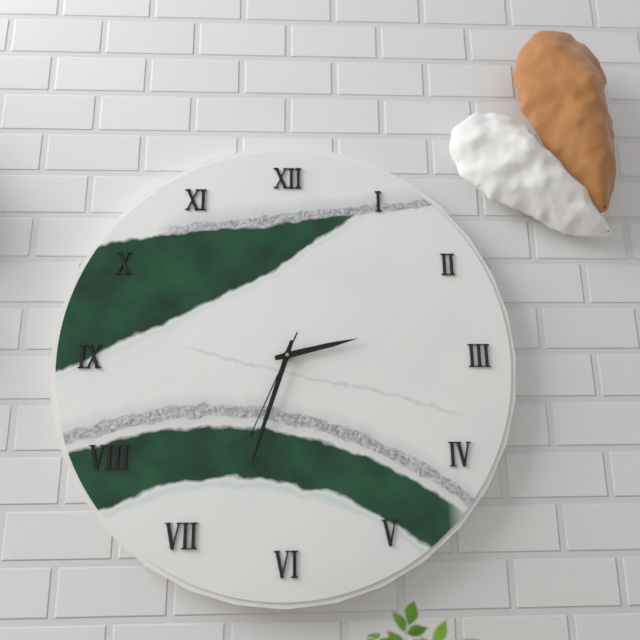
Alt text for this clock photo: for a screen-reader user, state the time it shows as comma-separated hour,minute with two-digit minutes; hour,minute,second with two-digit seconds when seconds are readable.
2,33,34
